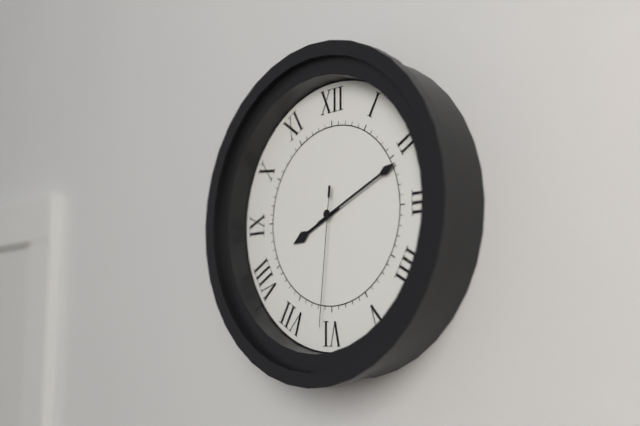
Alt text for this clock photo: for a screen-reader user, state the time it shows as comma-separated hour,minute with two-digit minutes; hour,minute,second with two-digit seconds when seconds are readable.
8,11,31
